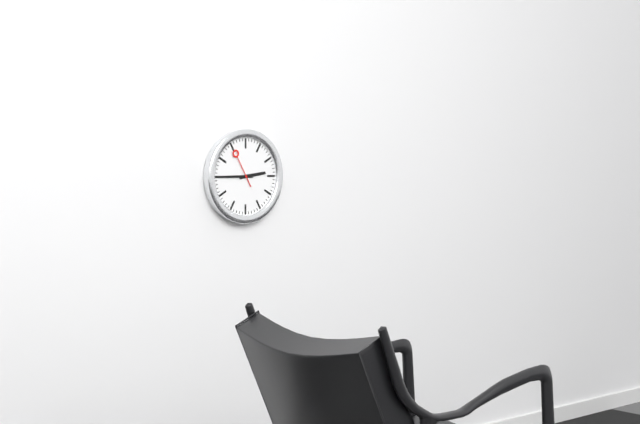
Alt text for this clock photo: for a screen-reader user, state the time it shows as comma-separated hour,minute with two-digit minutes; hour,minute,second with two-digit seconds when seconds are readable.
2,45
